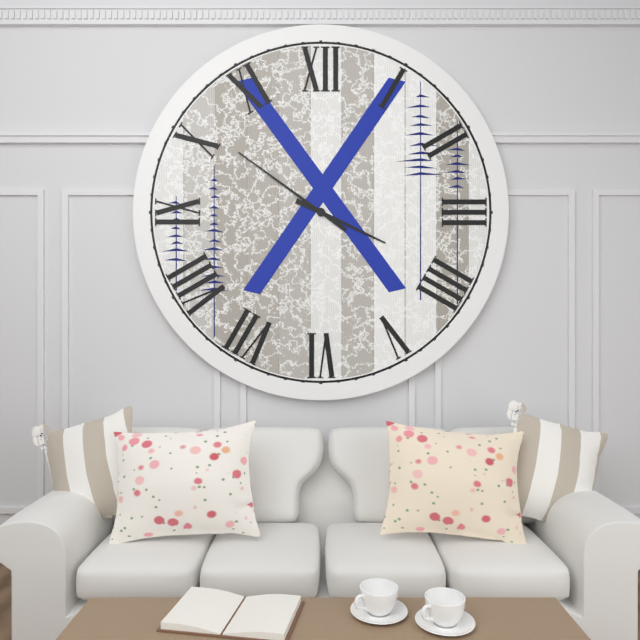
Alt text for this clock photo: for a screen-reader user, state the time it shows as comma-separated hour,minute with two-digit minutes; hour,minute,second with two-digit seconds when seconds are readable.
3,51
